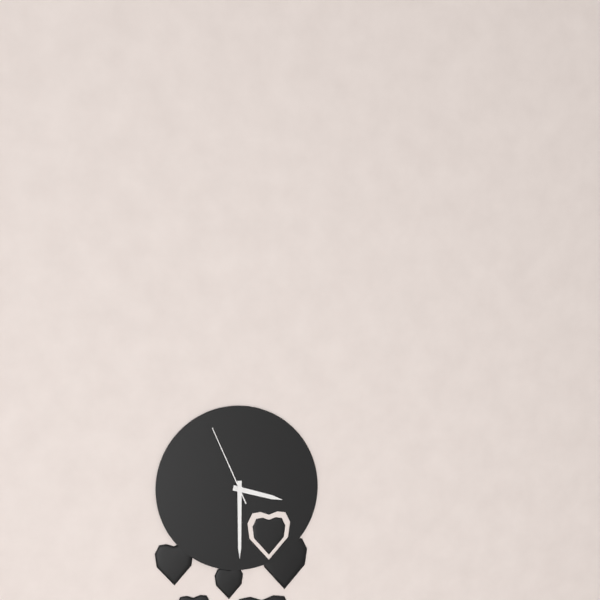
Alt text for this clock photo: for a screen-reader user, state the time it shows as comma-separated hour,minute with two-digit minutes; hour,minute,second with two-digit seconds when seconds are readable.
3,30,56
